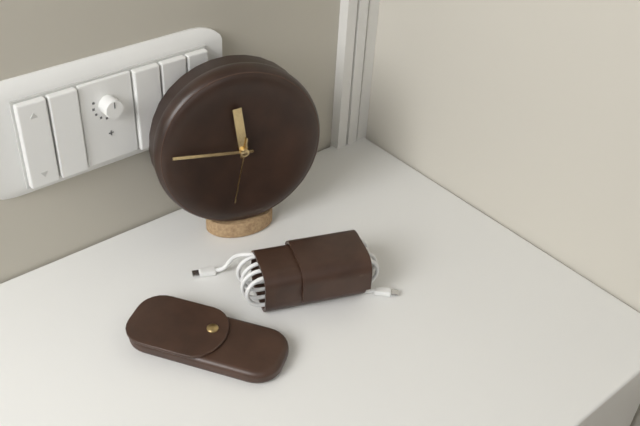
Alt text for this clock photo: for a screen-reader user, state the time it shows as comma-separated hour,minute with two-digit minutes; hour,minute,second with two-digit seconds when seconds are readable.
11,46,32
